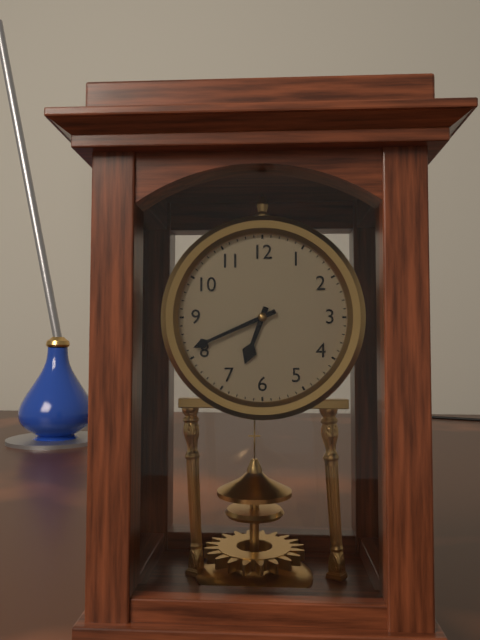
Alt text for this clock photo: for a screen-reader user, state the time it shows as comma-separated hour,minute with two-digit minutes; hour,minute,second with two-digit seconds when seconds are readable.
6,41
